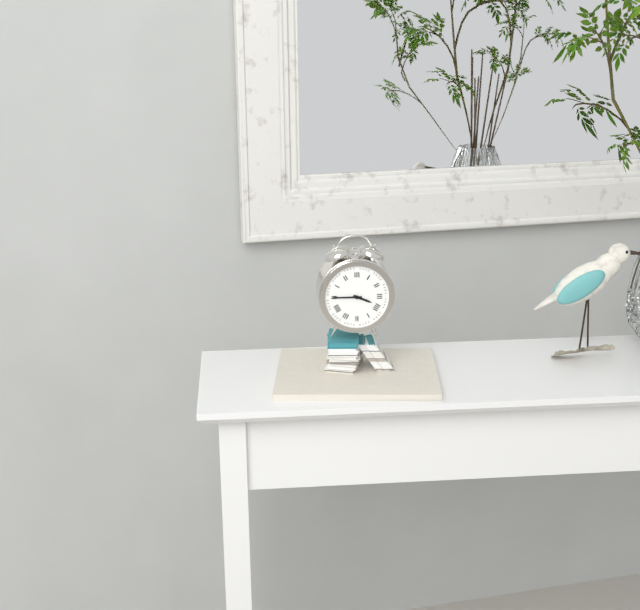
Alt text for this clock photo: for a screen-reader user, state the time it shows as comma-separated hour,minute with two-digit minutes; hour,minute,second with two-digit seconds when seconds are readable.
3,45
